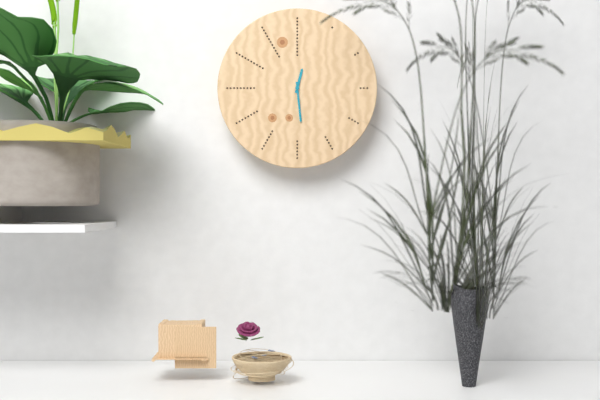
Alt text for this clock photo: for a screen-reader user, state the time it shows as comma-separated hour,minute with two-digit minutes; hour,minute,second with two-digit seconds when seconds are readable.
12,29
